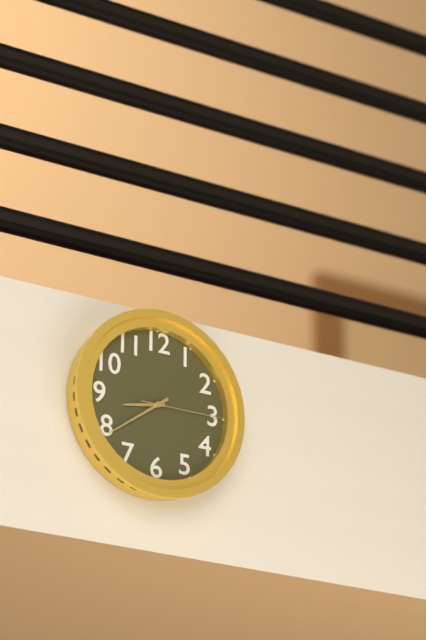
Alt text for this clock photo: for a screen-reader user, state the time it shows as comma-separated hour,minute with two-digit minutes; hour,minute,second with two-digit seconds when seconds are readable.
8,39,15
